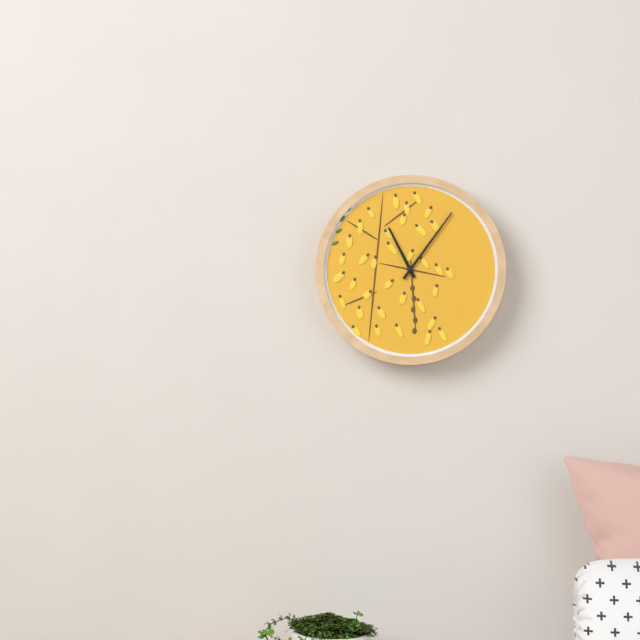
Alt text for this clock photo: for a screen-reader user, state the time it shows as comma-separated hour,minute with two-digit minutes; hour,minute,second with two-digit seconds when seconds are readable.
11,06
